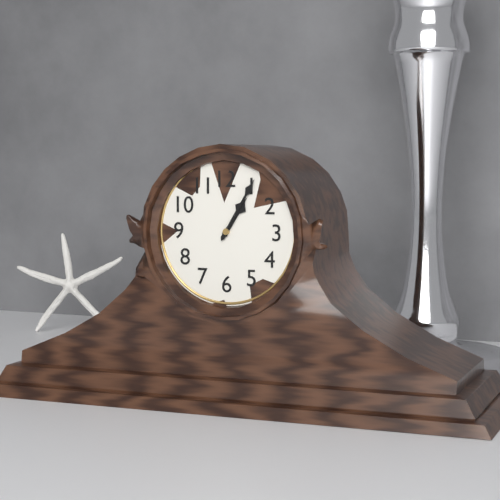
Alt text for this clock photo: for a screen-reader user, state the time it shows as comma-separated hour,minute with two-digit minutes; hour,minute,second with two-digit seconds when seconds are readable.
1,05
